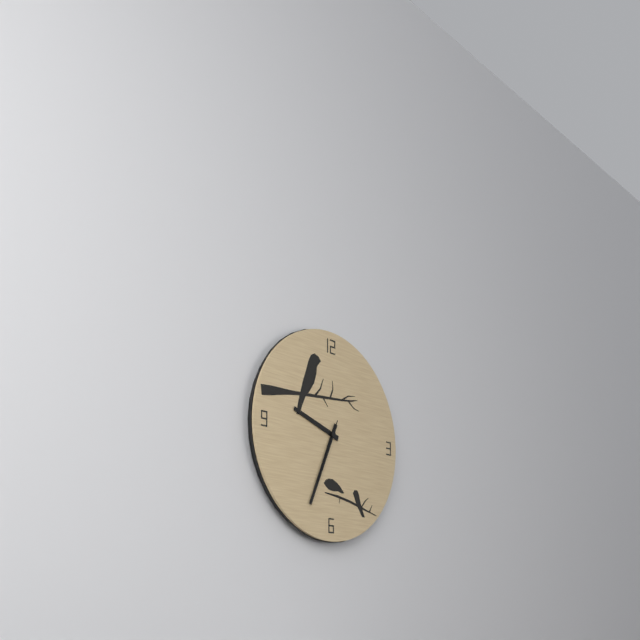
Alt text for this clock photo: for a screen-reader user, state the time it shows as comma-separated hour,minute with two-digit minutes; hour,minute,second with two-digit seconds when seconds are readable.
9,34,34
